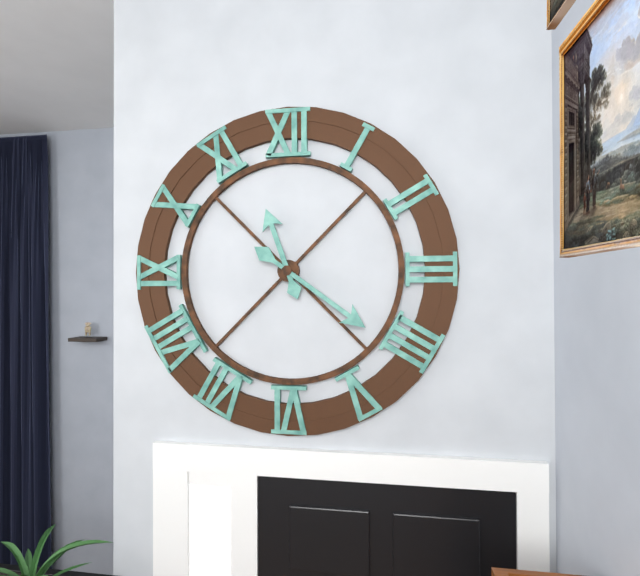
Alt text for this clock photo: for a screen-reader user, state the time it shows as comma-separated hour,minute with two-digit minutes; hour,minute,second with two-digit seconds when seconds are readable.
11,21
